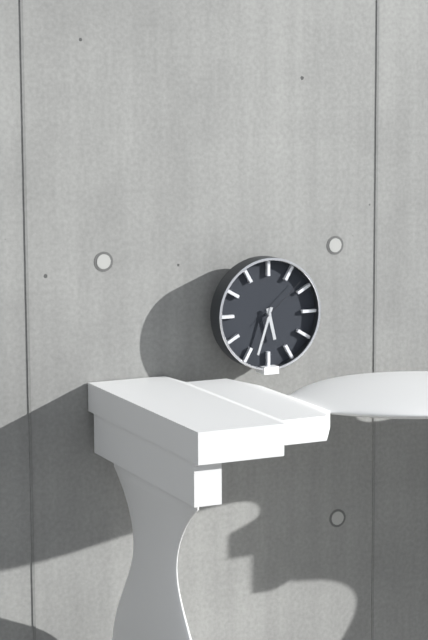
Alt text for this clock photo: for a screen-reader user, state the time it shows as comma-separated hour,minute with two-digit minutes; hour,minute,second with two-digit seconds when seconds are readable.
5,33,08
